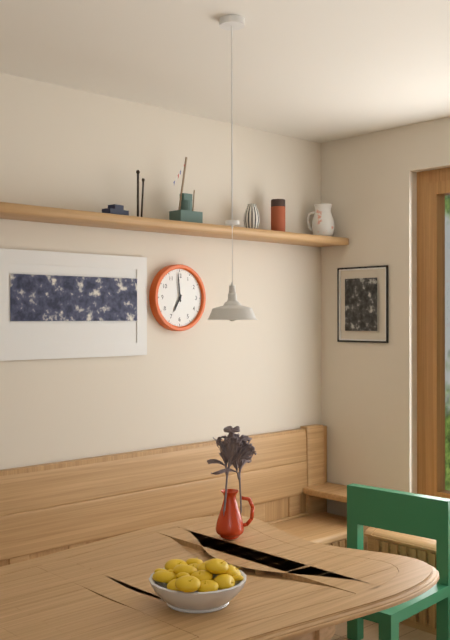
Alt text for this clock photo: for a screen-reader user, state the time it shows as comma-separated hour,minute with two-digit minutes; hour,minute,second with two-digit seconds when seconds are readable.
6,59
